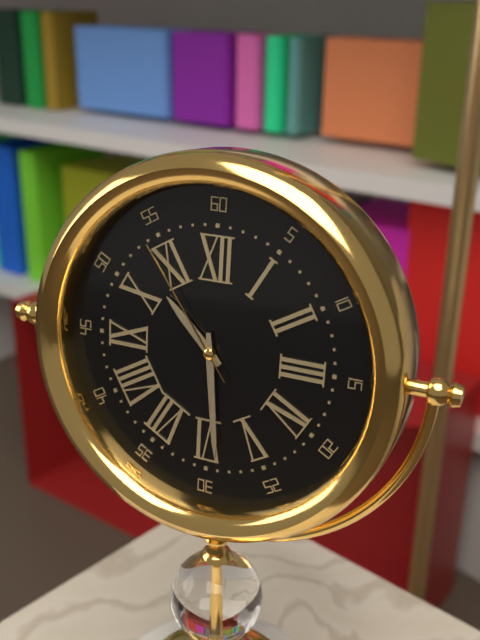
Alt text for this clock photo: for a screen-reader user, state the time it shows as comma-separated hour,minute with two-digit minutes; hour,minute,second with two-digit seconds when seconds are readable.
10,29,54
